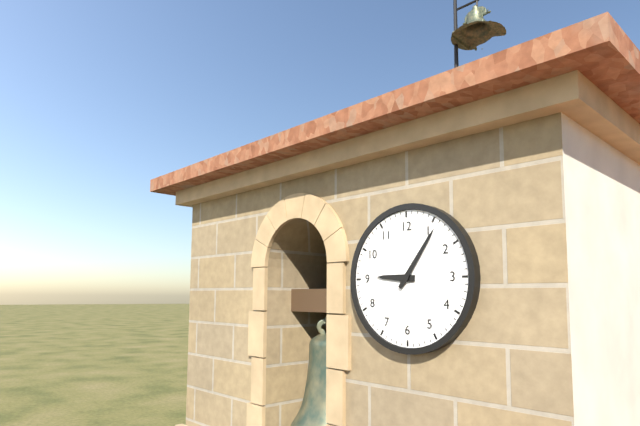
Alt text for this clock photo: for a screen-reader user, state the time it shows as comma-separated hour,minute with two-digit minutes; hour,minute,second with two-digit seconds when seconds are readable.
9,06
